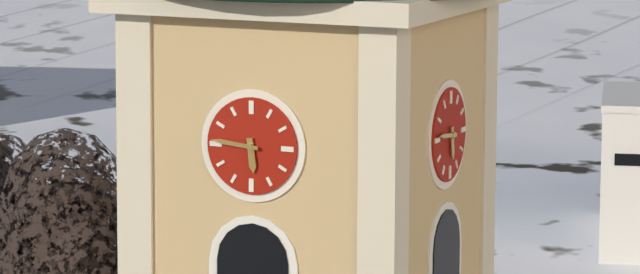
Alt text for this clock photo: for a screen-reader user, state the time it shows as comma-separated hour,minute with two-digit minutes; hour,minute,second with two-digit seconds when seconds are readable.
5,46
